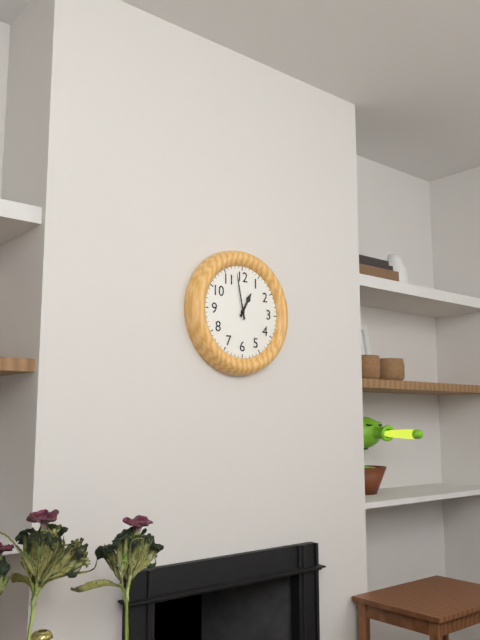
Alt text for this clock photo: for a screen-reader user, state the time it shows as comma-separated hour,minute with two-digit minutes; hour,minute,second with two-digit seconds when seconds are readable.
12,58
